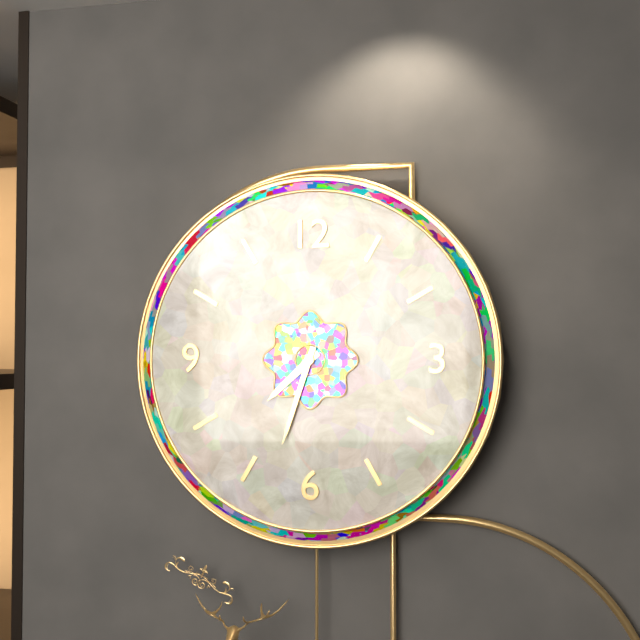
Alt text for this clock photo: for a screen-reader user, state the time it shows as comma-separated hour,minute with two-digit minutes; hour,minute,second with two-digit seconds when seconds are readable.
7,33
